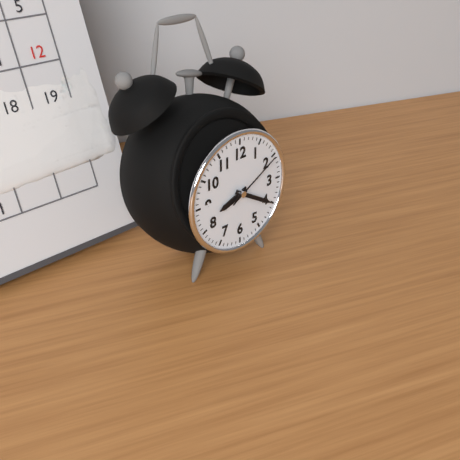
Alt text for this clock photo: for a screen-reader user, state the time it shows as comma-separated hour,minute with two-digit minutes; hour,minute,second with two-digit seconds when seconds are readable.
8,20,10
